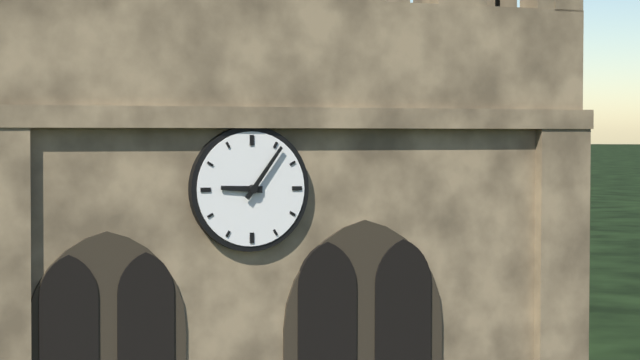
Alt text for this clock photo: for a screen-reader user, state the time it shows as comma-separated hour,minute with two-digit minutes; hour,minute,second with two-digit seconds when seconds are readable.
9,06
